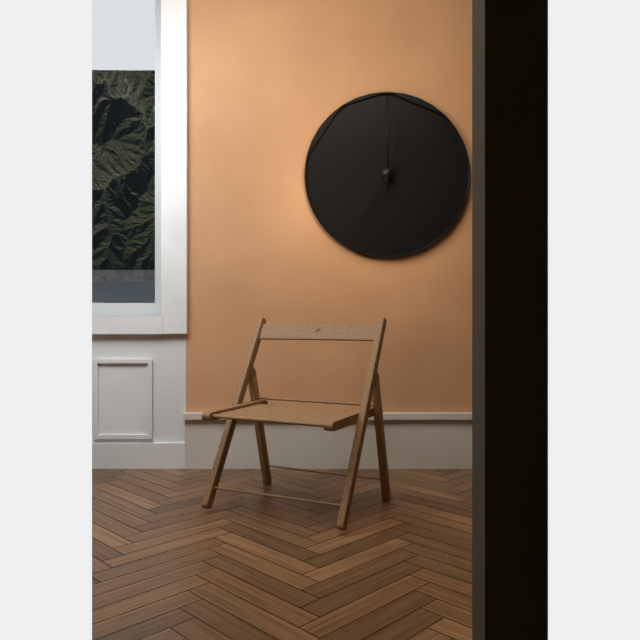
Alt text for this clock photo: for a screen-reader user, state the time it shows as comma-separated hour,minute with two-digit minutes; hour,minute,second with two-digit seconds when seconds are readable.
7,02
